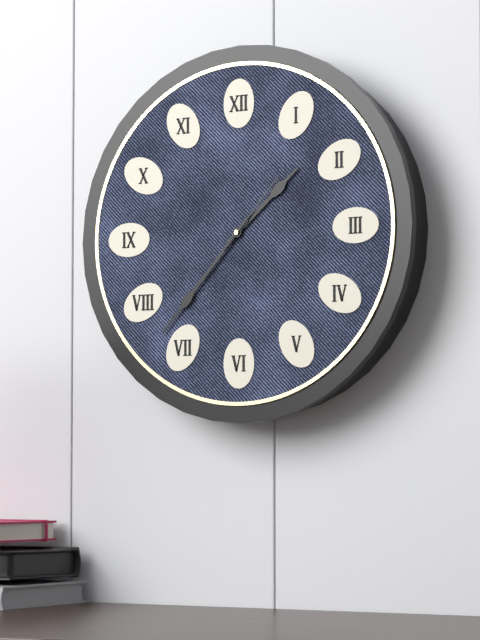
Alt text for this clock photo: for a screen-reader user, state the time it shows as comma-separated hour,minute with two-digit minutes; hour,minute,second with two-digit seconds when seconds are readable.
1,37,07
